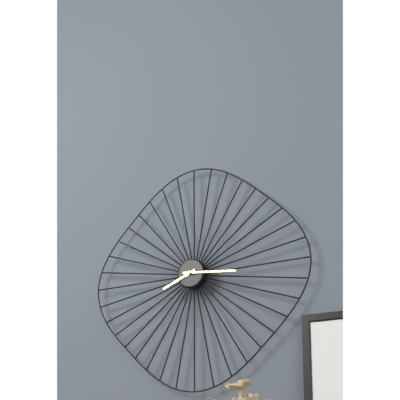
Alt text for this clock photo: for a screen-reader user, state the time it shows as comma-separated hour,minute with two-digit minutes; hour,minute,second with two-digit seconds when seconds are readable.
8,16
